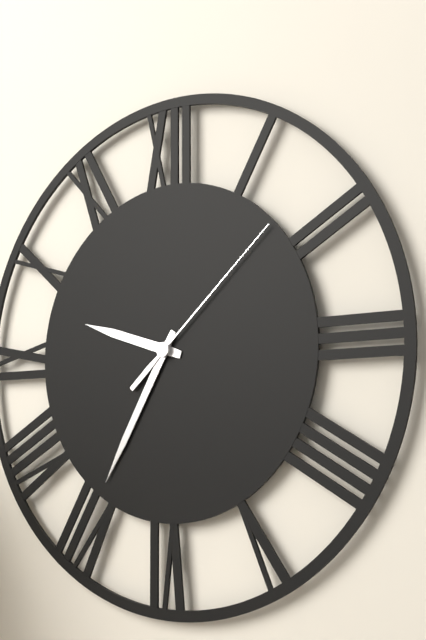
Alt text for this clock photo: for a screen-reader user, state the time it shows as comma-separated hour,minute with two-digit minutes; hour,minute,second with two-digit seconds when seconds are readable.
9,35,08
